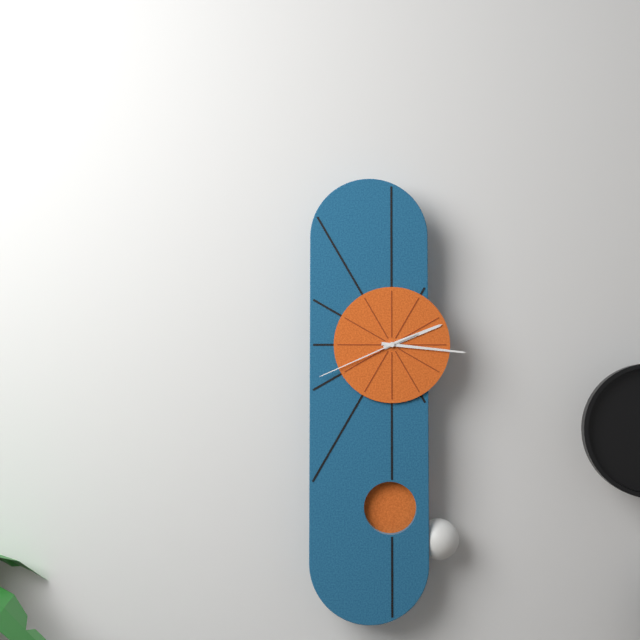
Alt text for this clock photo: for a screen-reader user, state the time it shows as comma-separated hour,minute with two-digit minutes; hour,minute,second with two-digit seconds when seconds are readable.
2,16,41
